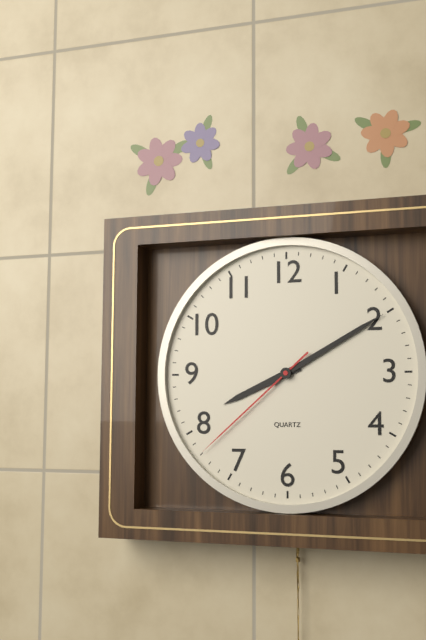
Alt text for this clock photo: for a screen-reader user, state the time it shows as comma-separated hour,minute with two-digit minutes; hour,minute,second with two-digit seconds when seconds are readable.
8,10,38
